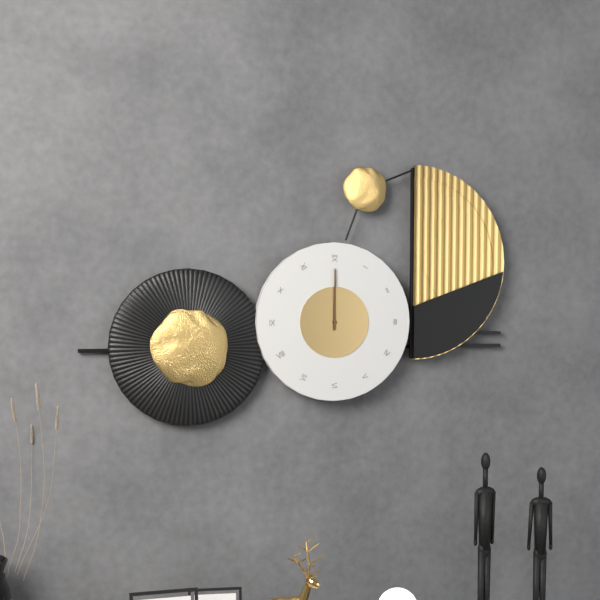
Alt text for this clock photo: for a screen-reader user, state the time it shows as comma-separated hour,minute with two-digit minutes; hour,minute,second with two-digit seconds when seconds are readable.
12,00
